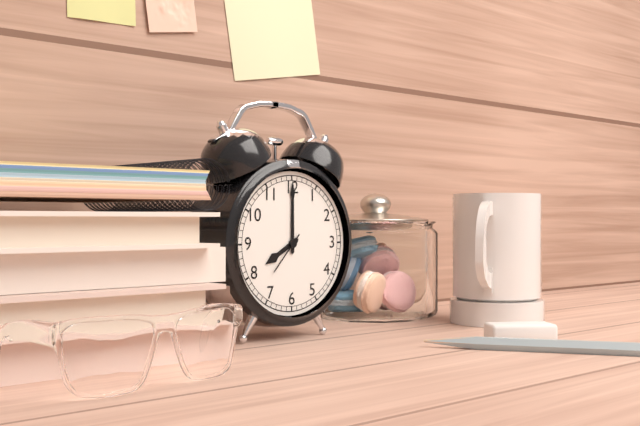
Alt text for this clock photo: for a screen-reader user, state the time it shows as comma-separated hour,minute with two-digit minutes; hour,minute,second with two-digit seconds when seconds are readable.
8,00
